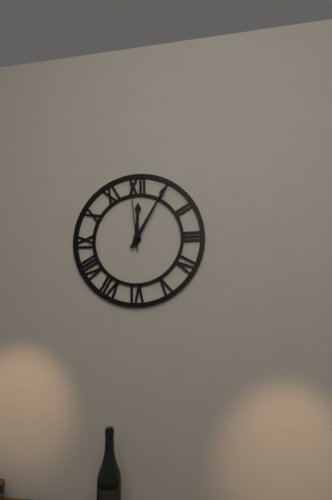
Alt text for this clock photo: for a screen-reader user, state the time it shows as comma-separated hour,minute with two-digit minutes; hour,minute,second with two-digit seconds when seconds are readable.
12,05,59
